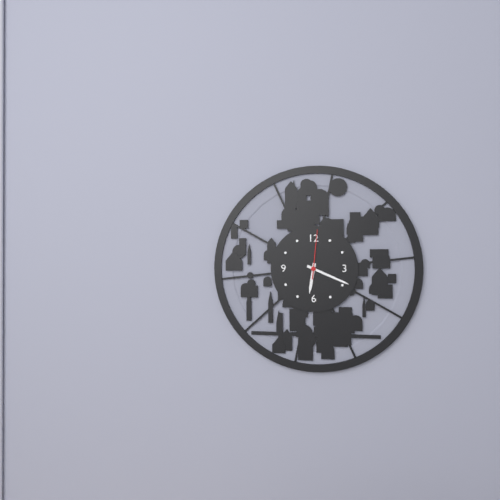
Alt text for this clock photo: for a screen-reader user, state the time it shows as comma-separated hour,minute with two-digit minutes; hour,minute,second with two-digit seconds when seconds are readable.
6,19
